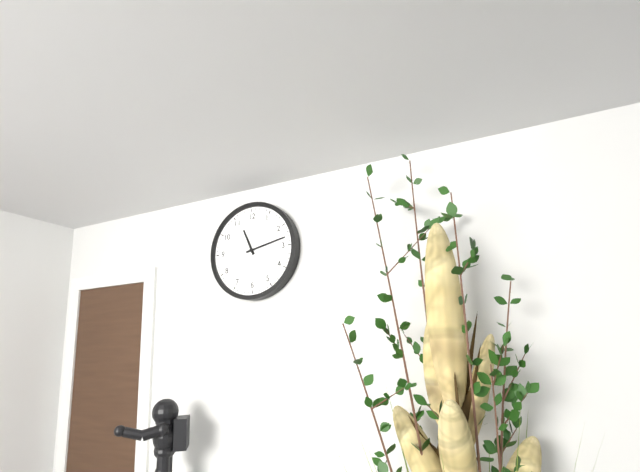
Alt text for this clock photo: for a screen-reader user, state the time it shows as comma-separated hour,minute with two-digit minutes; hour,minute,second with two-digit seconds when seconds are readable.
11,13
